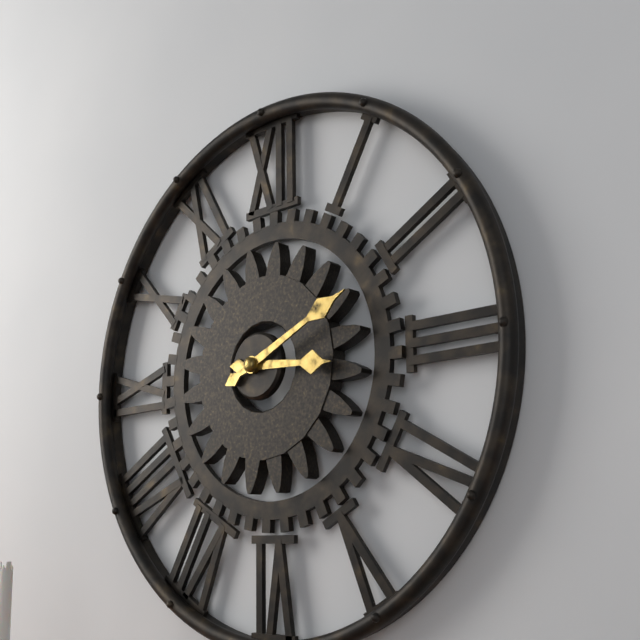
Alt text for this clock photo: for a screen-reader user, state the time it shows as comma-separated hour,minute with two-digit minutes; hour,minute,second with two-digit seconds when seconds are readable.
3,11
